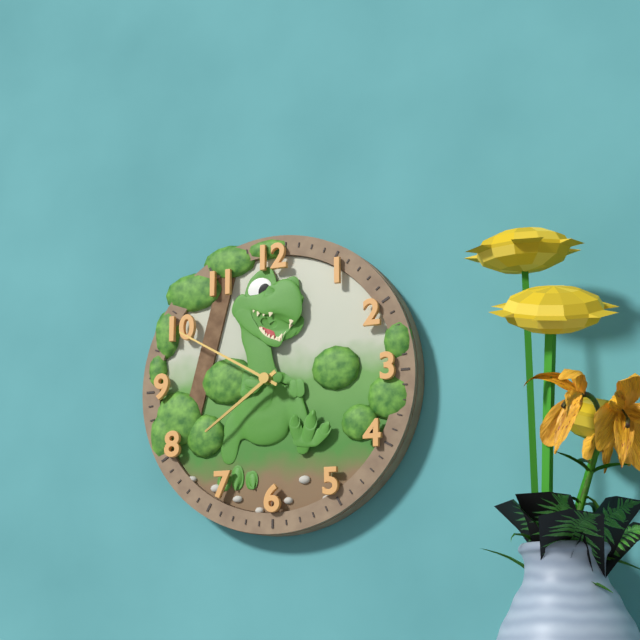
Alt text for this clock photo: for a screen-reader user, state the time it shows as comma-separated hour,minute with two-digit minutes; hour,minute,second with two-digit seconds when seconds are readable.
7,50
